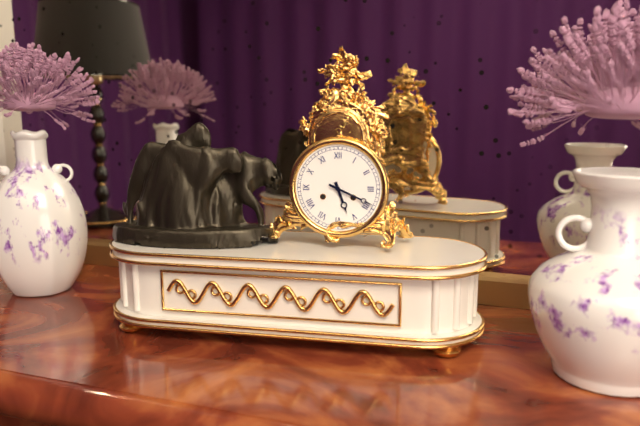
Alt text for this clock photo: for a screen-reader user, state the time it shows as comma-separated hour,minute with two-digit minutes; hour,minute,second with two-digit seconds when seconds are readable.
5,19
